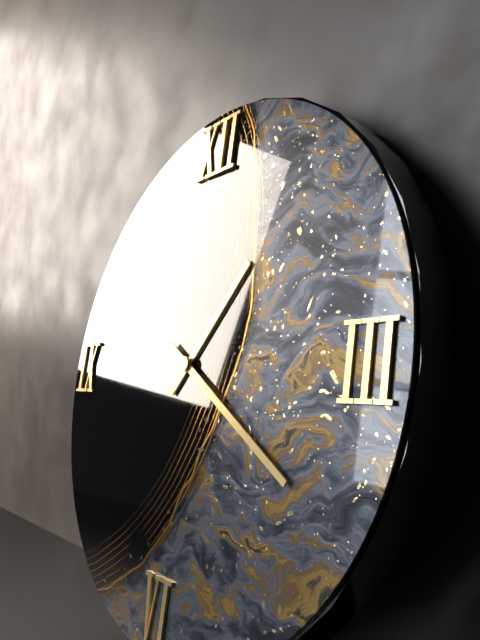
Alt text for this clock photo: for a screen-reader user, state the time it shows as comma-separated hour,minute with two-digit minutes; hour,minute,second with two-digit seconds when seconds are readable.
1,20
